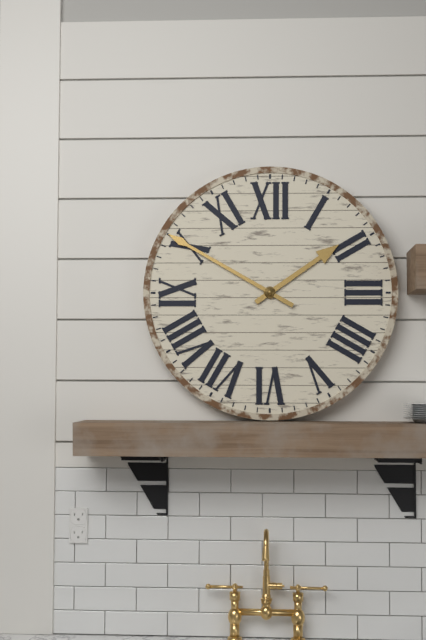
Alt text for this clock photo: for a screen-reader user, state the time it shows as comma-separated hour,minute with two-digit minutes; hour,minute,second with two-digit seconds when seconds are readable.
1,50
